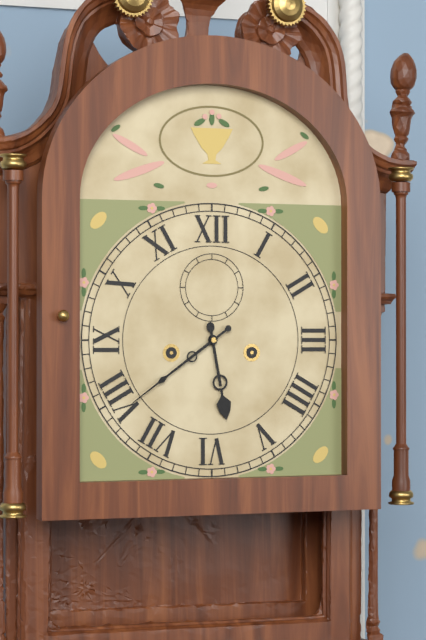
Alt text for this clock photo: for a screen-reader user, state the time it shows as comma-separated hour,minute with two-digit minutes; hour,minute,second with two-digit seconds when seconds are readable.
5,39
